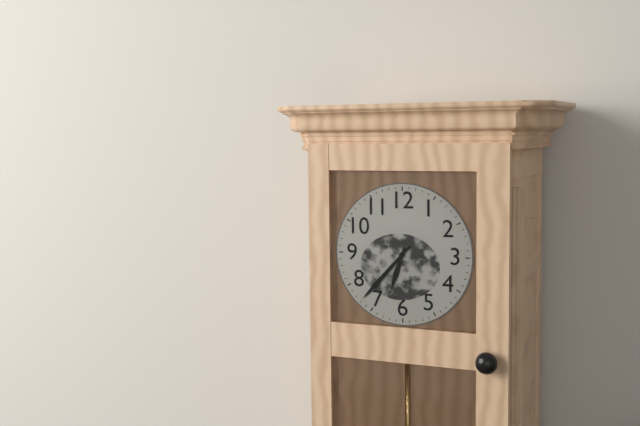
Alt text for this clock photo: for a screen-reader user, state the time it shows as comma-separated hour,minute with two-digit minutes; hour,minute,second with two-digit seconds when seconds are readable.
6,37
